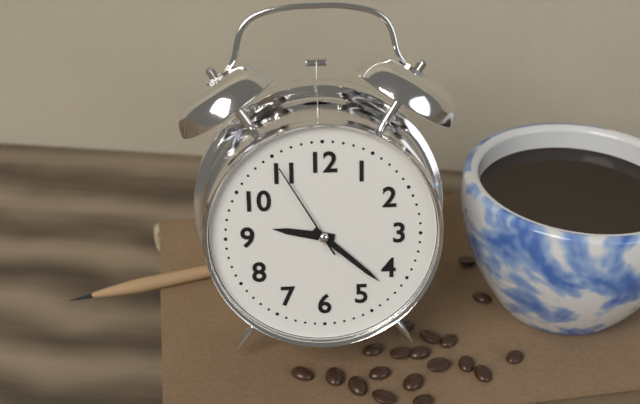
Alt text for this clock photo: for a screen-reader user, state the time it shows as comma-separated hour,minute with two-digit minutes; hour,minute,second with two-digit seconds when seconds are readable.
9,22,55
